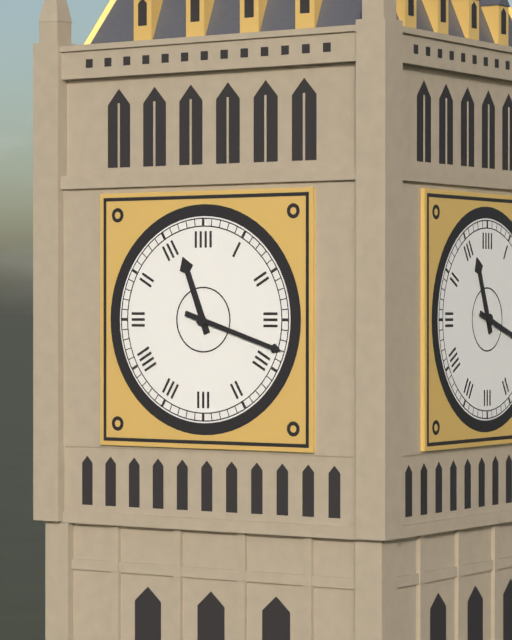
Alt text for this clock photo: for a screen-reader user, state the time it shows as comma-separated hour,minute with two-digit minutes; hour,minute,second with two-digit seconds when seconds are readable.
11,18
